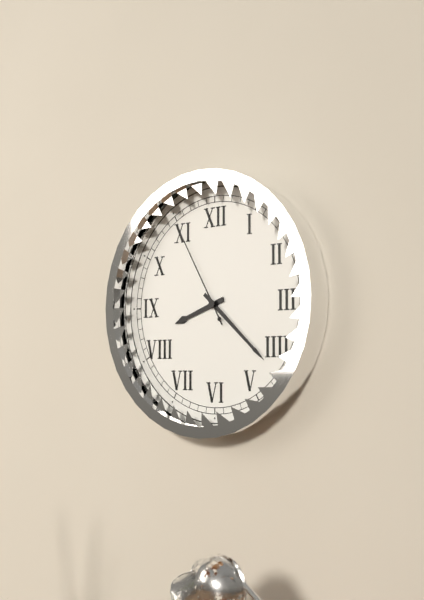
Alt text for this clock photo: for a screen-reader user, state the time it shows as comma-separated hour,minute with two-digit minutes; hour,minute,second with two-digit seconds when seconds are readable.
8,22,55
